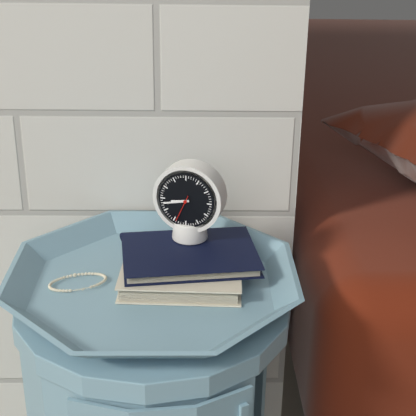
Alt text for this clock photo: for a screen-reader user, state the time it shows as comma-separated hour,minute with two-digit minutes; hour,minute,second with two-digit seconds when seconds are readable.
8,43
